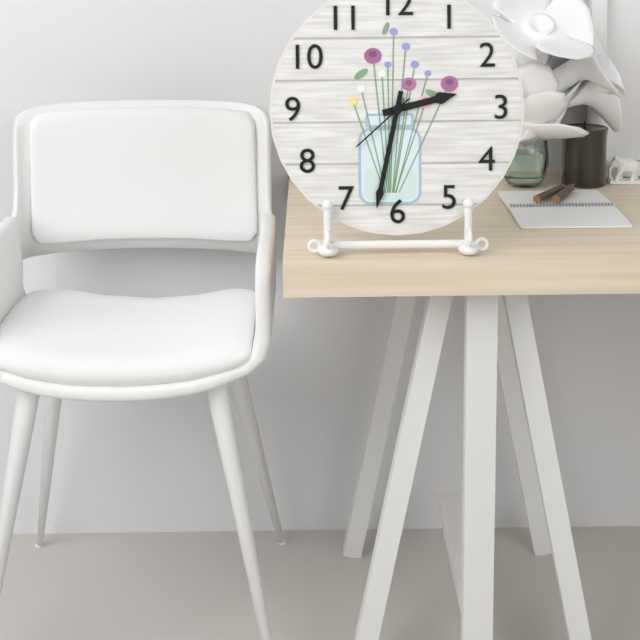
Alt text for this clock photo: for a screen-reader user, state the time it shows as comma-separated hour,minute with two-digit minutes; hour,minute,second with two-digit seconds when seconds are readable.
2,32,38
